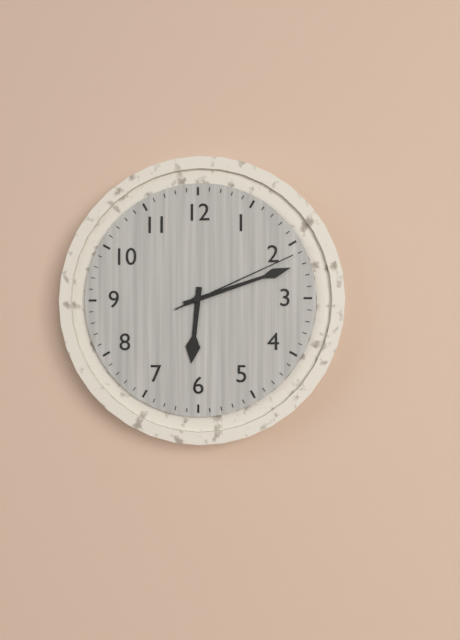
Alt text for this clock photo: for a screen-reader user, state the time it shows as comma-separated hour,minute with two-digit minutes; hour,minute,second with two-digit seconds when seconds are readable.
6,12,11
